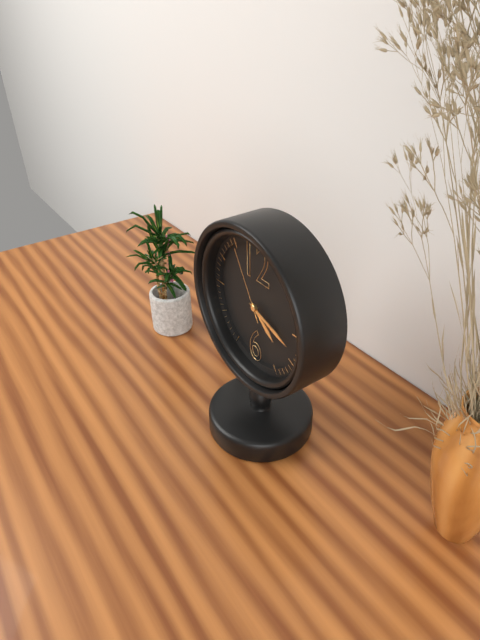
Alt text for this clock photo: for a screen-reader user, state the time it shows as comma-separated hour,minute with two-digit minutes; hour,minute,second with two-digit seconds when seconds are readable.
4,18,55
